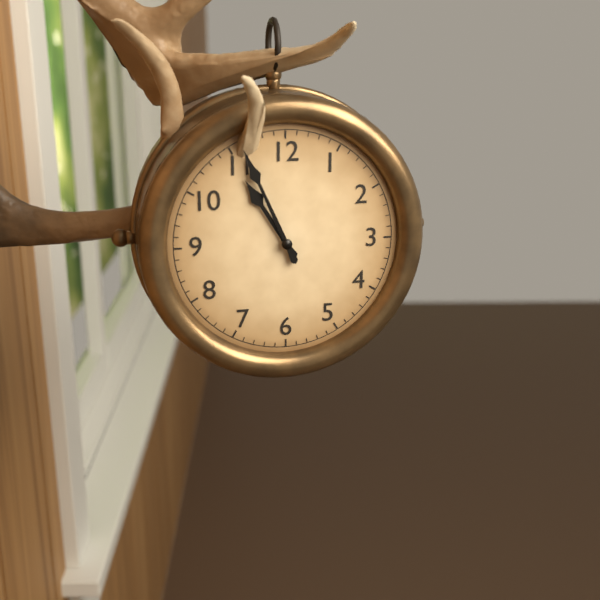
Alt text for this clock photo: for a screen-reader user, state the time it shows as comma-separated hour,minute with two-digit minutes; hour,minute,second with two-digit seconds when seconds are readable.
10,56
